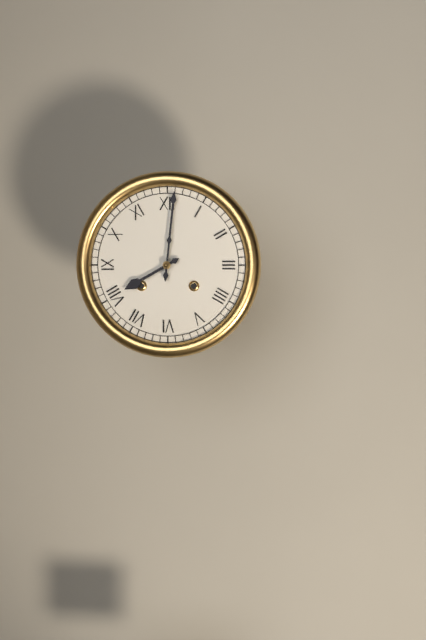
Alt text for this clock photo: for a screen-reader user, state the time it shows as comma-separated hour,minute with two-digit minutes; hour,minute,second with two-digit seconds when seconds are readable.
8,01
